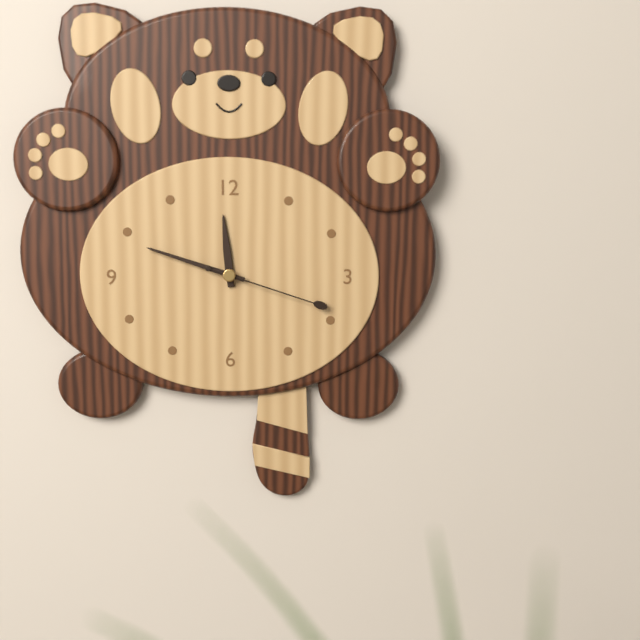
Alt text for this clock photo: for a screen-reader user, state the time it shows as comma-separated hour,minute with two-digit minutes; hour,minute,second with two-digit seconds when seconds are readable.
11,48,18
